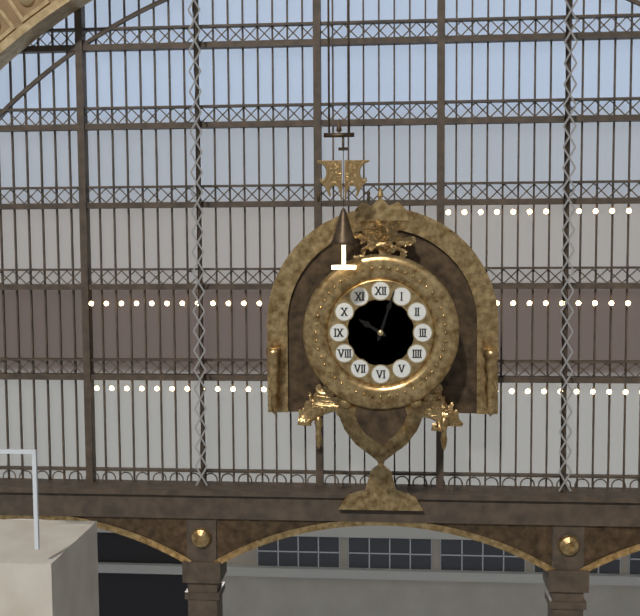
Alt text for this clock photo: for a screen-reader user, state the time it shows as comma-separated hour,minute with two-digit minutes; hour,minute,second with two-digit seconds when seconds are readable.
10,03
